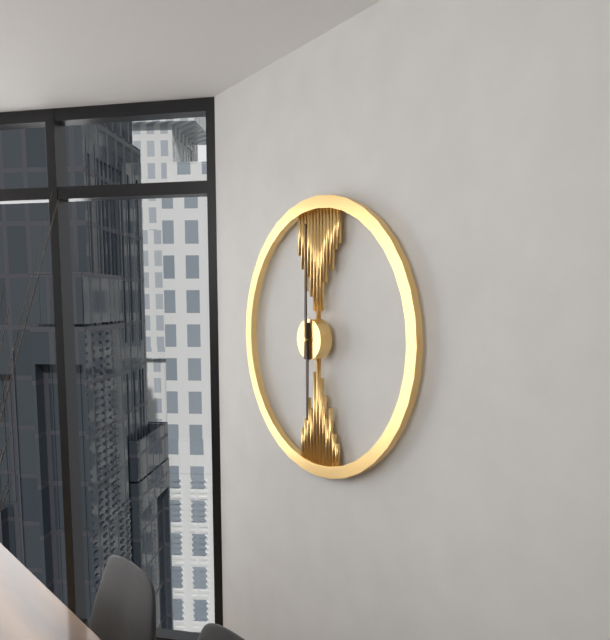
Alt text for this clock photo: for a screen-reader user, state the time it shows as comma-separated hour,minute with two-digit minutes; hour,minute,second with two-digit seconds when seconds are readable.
6,00
